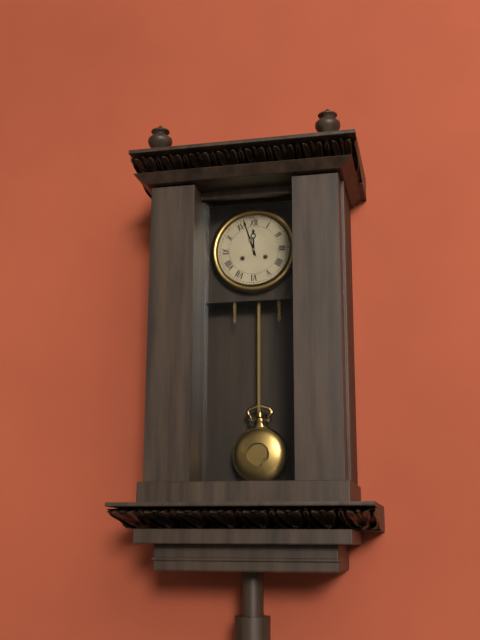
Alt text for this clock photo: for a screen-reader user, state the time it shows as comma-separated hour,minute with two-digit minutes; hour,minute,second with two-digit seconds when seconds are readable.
11,57
